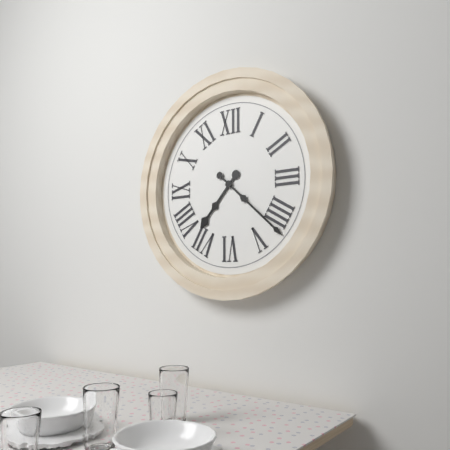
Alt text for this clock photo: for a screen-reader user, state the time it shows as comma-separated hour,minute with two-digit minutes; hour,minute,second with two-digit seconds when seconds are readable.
7,22
